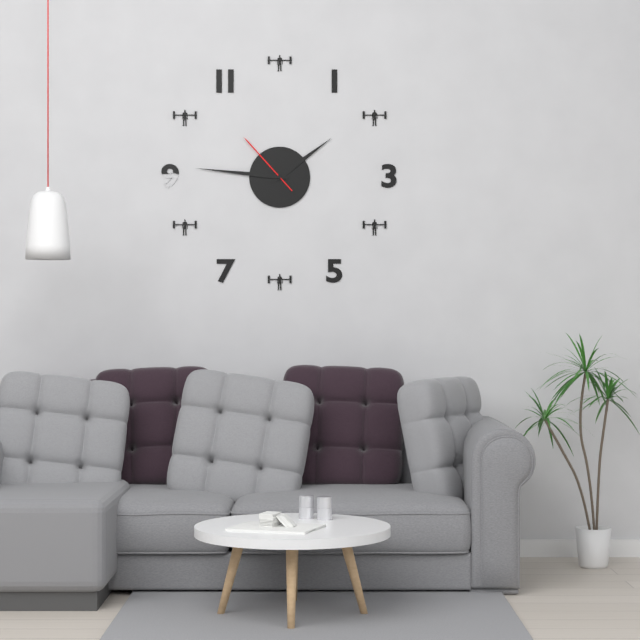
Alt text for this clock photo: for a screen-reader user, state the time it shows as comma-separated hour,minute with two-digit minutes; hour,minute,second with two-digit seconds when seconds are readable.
1,46,53
